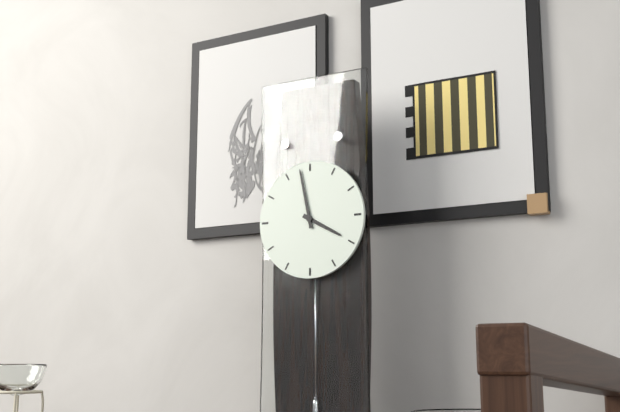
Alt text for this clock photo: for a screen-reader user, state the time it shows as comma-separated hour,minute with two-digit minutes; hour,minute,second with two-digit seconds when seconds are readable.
3,58
